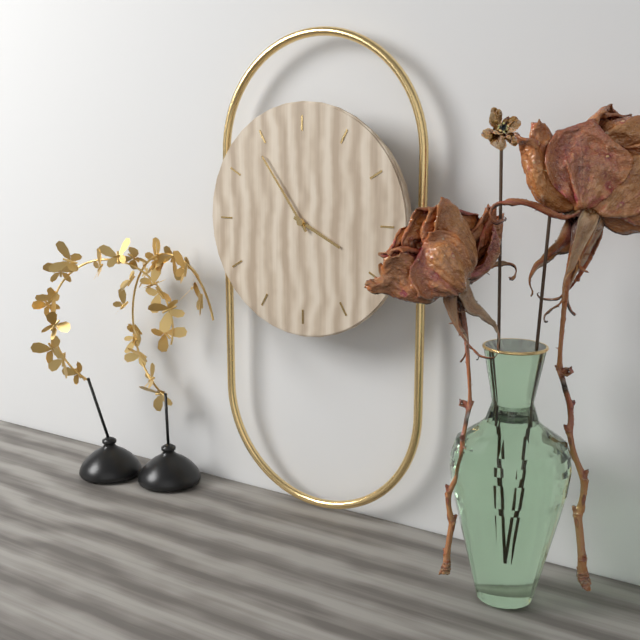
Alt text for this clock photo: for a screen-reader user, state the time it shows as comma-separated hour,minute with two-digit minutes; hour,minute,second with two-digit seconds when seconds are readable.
3,54
